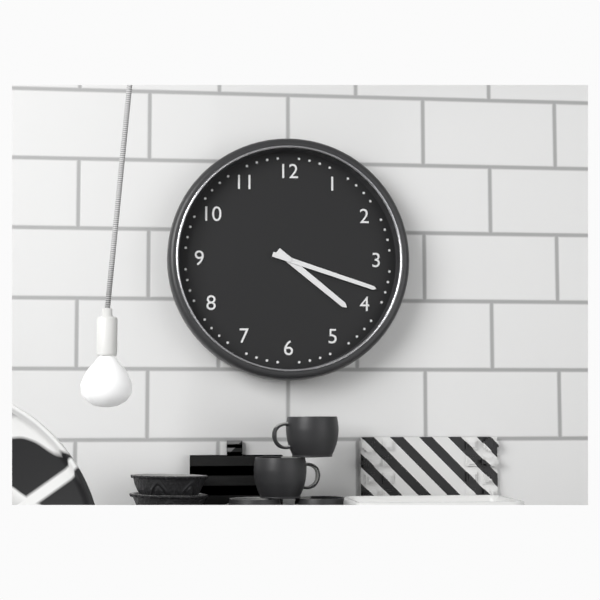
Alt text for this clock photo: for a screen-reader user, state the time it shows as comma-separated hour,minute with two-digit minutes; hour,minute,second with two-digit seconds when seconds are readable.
4,18
